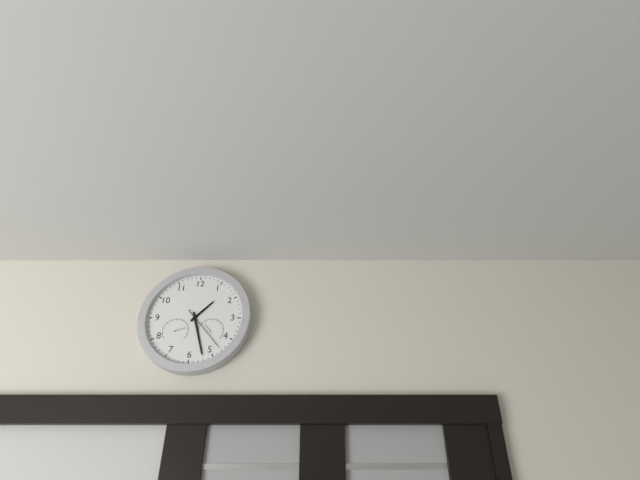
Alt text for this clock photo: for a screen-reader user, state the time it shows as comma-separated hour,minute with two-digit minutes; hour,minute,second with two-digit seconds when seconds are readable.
1,27
